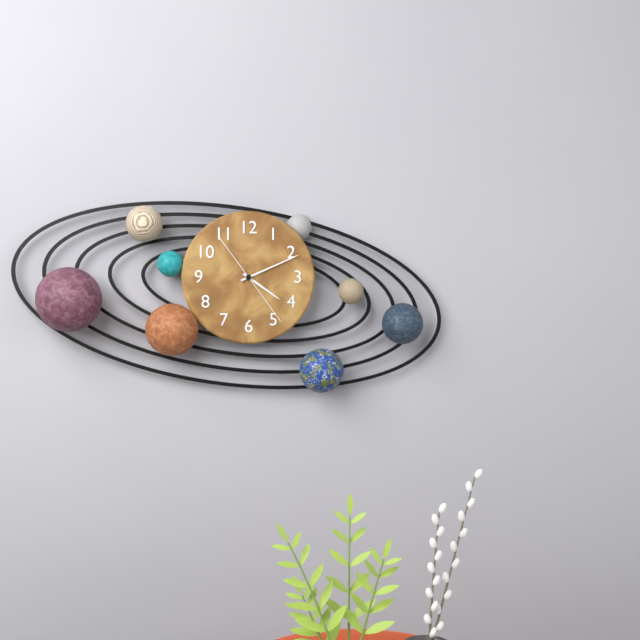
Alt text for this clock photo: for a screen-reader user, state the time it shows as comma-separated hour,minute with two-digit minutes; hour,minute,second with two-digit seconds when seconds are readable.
4,11,24
